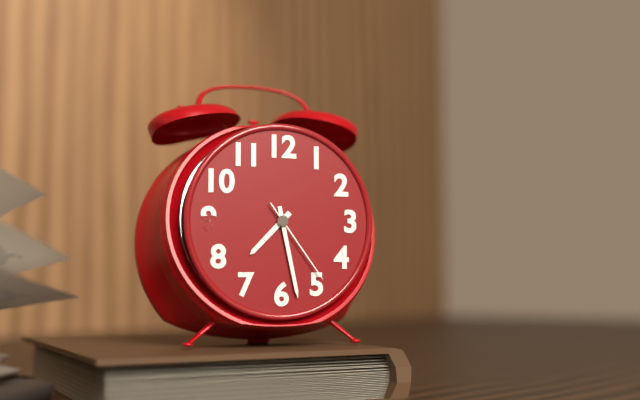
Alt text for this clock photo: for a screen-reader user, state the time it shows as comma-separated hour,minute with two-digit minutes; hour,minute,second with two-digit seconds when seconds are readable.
7,28,24
